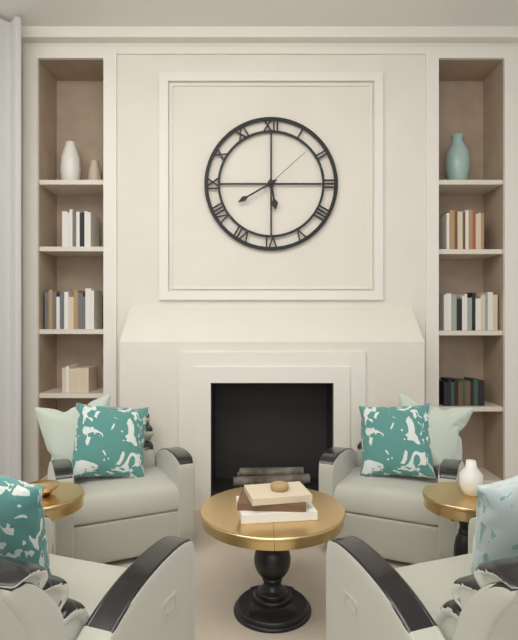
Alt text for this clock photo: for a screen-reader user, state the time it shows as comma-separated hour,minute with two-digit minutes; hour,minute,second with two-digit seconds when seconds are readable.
5,40,08
